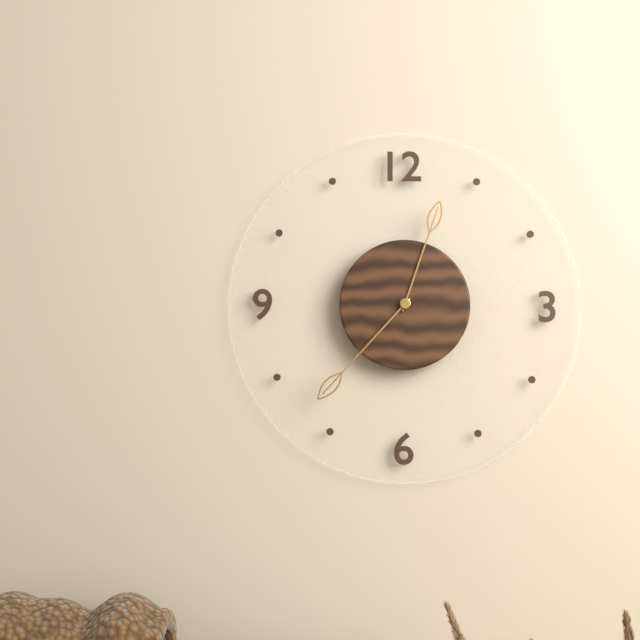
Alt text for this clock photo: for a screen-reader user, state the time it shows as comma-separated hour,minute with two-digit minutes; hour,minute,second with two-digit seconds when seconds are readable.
12,37
